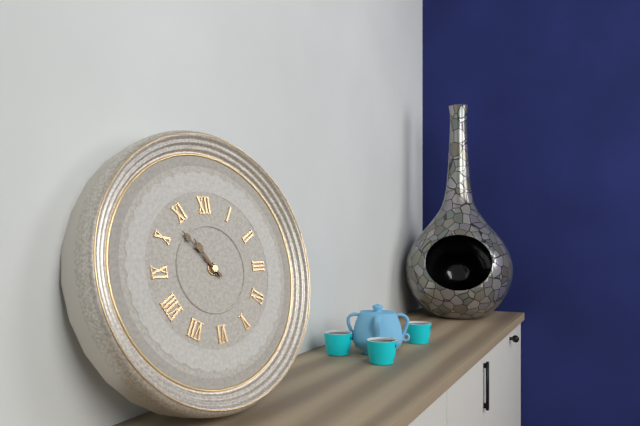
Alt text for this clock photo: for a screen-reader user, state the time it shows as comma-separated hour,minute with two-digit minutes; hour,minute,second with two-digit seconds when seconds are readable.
10,53
